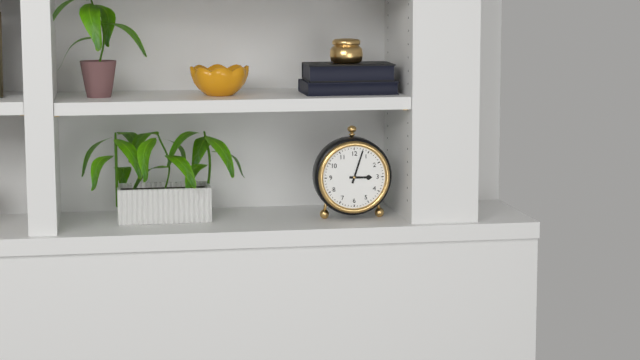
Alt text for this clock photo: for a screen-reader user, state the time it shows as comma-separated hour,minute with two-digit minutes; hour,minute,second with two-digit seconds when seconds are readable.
3,03
